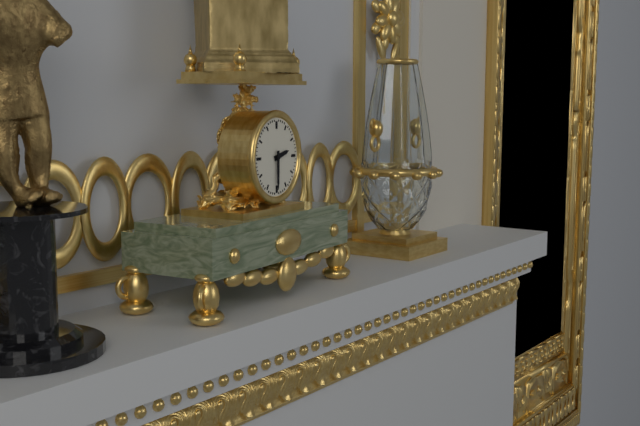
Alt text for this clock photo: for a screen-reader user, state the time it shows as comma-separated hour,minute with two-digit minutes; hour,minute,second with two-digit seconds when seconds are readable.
2,30
